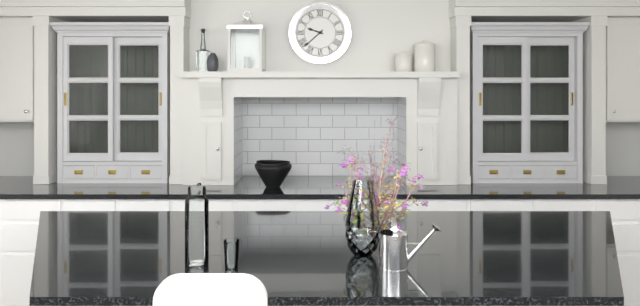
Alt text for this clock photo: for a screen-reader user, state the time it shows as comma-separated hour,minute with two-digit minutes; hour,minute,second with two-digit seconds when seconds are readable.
9,38
